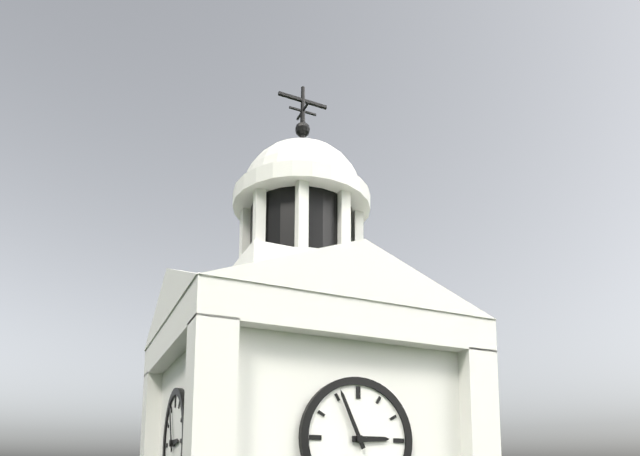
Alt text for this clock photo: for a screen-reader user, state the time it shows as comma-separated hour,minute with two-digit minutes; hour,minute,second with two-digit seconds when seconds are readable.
2,56
